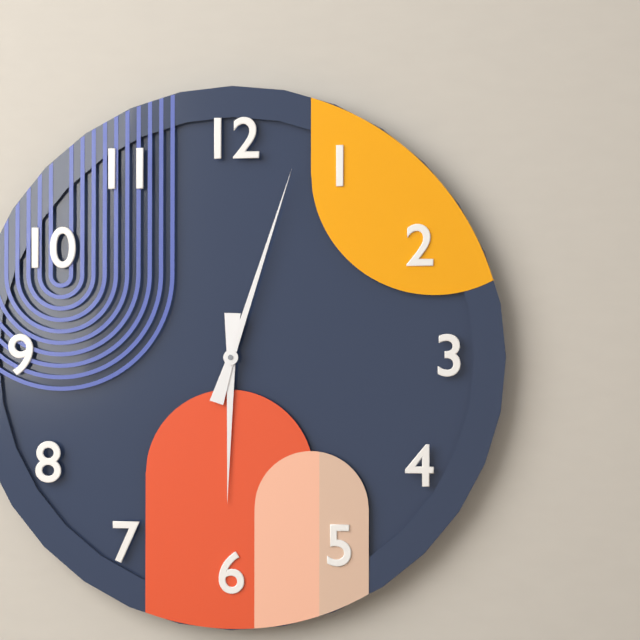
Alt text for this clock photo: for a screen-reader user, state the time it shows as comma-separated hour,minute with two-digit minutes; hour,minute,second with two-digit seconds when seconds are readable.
6,03
